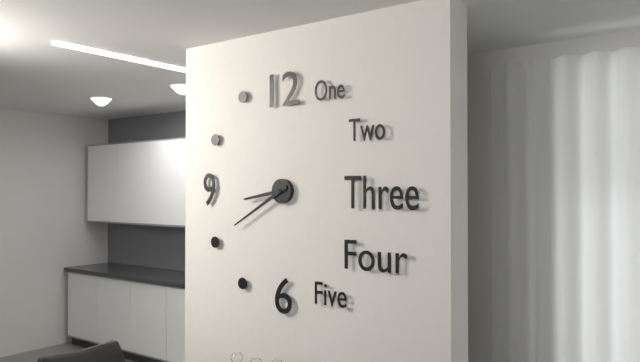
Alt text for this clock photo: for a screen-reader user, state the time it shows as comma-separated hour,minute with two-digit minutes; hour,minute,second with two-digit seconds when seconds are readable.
8,40
